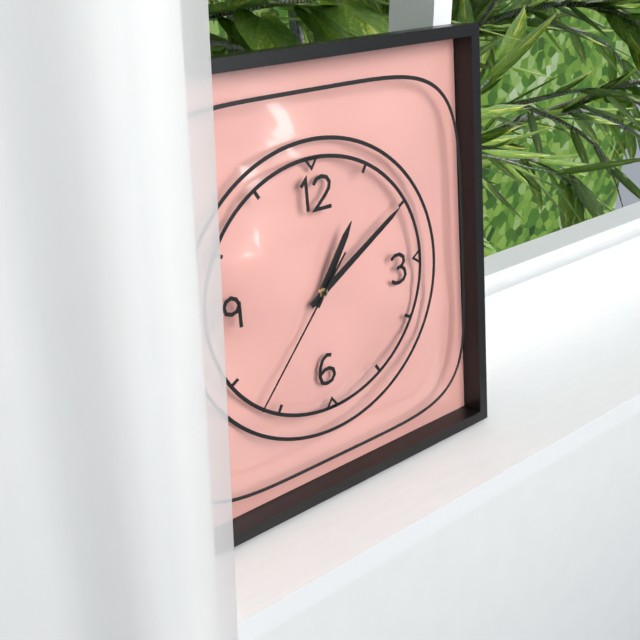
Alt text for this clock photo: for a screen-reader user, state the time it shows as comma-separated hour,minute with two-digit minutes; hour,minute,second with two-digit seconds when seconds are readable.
1,10,37
